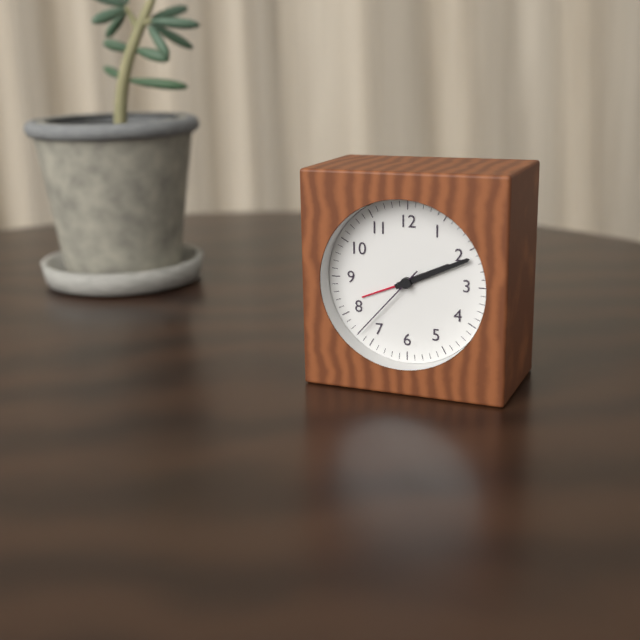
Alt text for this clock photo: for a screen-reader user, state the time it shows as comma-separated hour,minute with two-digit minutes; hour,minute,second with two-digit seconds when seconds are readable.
2,11,37
